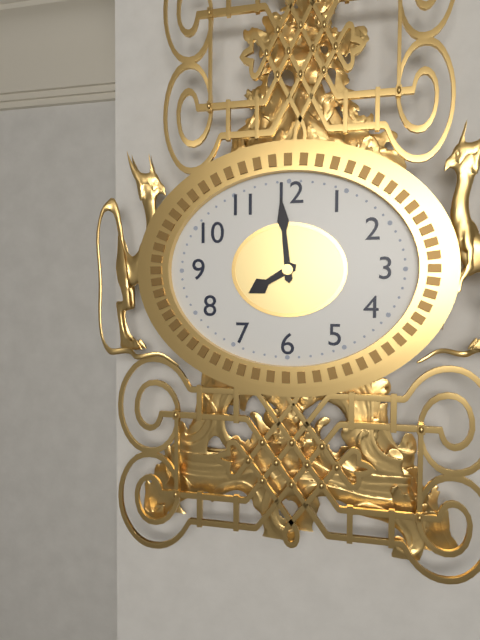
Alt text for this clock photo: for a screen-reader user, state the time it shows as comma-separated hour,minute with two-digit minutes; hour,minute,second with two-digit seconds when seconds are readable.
7,59
